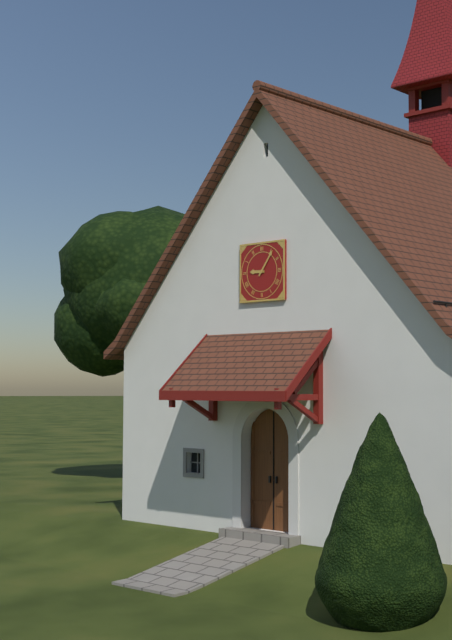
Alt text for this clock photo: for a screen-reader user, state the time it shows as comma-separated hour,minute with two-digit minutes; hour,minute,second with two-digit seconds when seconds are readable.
9,06
